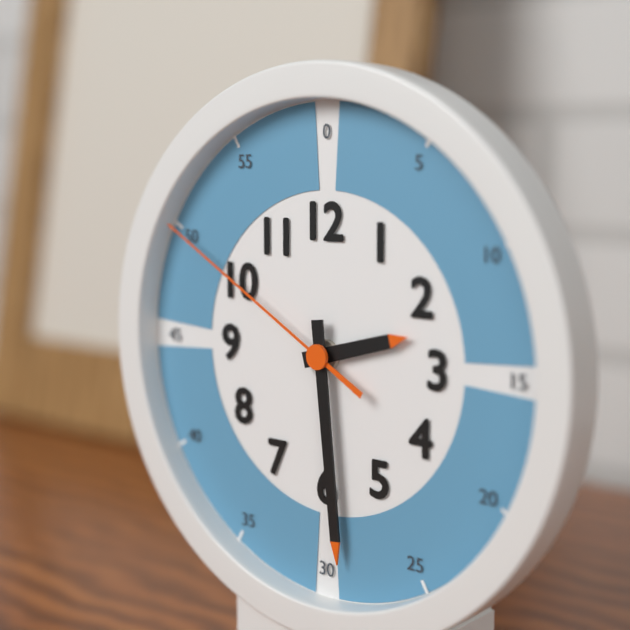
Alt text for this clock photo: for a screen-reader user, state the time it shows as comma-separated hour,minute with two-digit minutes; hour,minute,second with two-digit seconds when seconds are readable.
2,29,50
